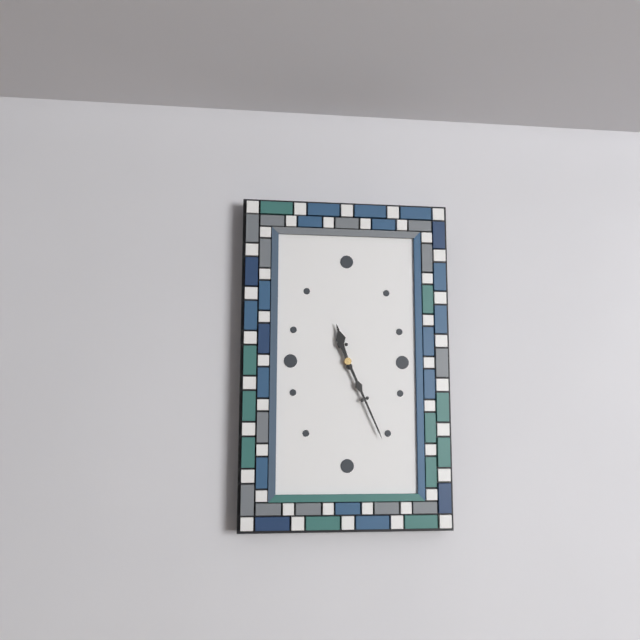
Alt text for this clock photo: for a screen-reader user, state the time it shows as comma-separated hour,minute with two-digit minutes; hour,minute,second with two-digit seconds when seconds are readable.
11,26
